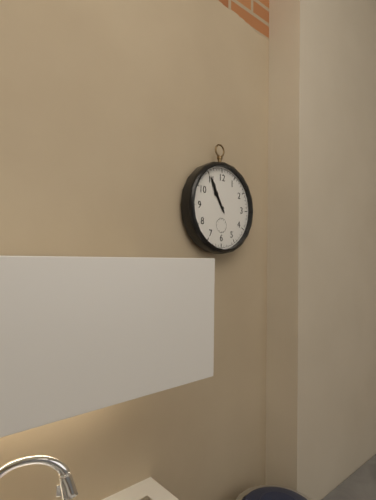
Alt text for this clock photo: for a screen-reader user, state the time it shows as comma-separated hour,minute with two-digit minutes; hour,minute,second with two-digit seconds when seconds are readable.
10,55
